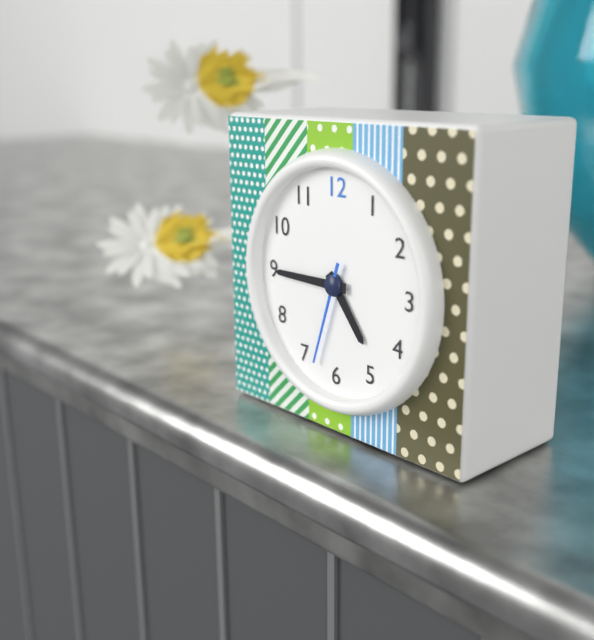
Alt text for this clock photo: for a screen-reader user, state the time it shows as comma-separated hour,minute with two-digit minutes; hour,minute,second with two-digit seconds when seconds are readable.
4,45,33
